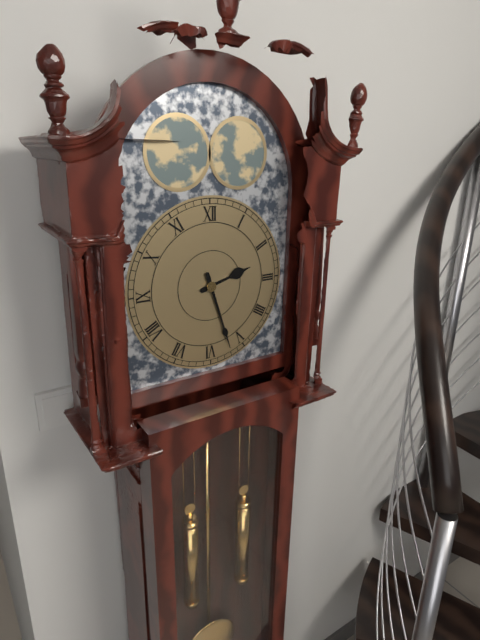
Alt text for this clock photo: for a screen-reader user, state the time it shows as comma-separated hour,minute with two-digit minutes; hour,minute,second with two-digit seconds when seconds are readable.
2,27
